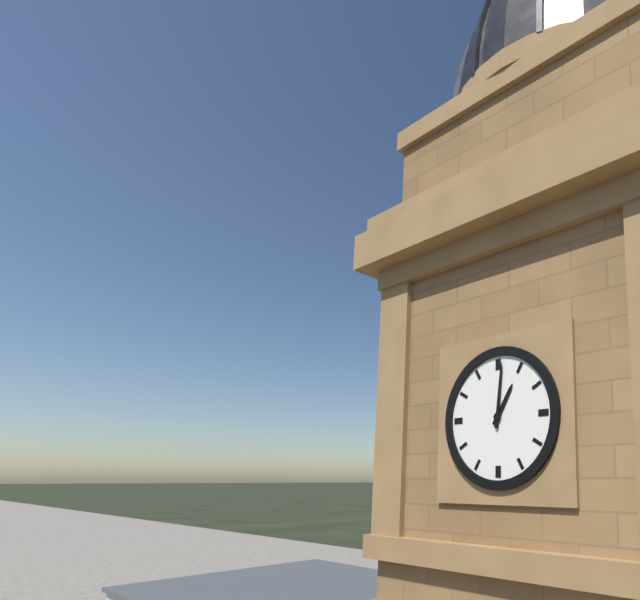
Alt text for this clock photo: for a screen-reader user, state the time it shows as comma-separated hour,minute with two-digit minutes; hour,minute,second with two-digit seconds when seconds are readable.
1,01
